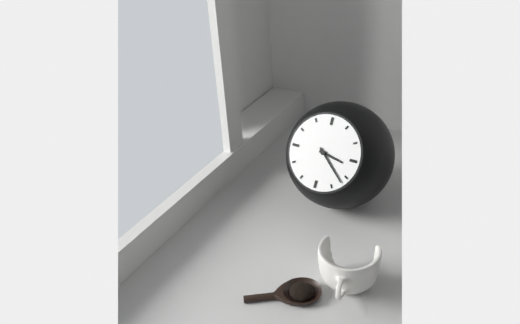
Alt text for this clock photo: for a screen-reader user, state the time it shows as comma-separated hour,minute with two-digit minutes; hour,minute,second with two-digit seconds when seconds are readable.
3,22
